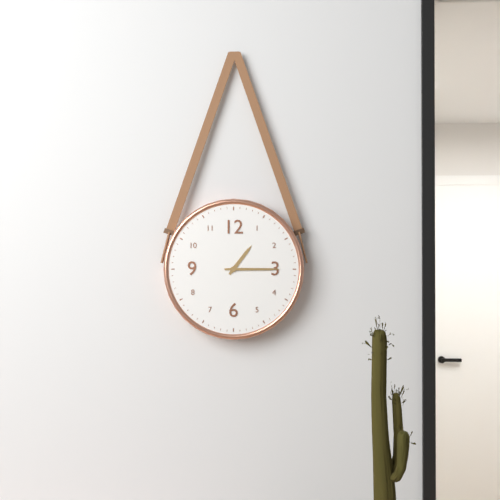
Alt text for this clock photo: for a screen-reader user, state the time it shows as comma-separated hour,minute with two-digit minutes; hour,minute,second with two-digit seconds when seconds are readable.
1,15
